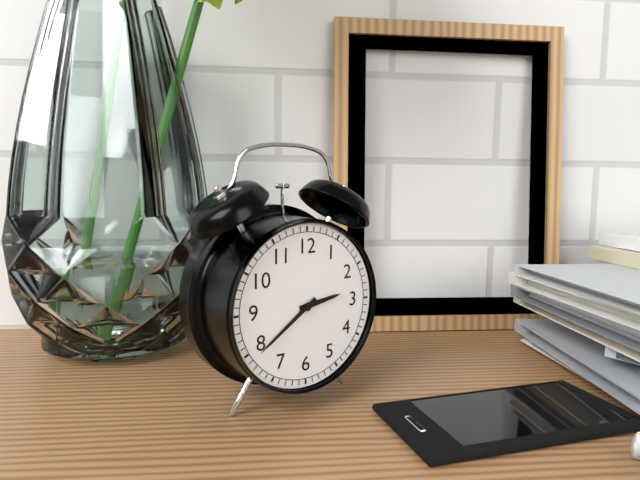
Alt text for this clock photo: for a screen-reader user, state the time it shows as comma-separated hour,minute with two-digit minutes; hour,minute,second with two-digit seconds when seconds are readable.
2,39
